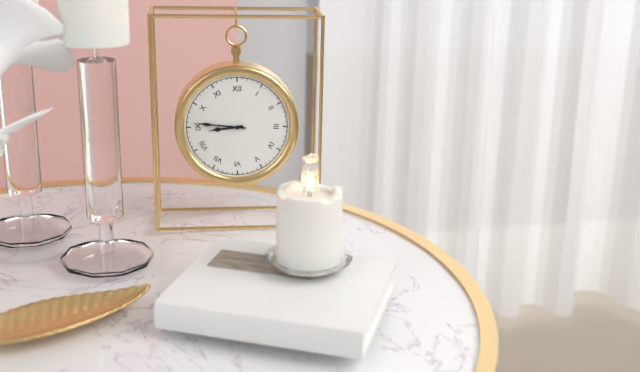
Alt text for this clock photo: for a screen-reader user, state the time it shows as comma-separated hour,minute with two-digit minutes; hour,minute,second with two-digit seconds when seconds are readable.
8,46
